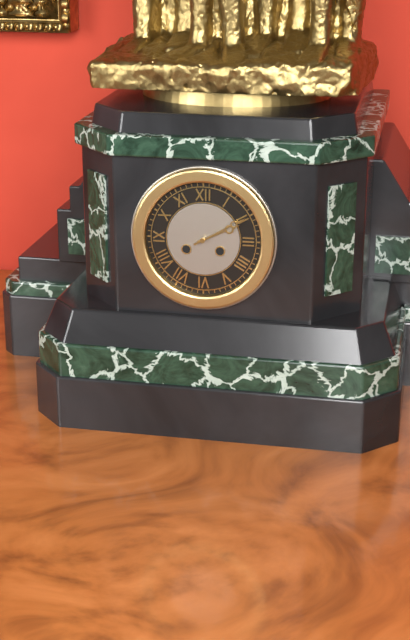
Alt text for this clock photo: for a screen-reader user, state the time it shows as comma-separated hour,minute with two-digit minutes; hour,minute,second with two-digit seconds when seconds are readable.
2,10
